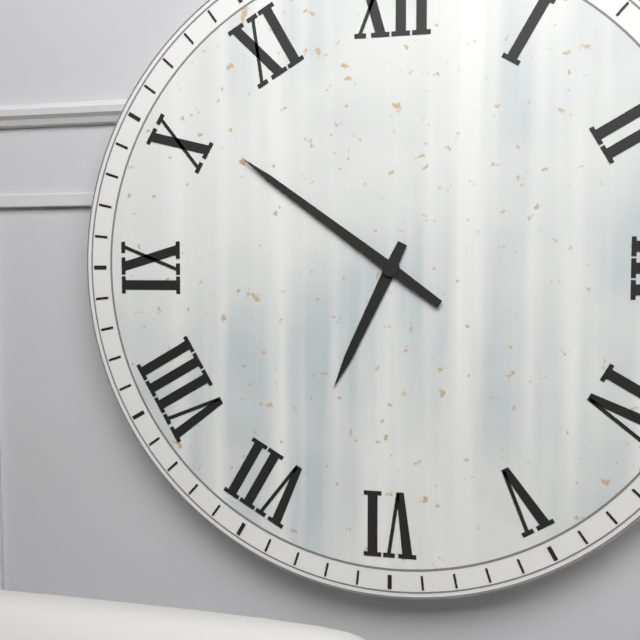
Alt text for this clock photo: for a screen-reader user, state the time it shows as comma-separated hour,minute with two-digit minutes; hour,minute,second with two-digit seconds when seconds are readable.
6,51
